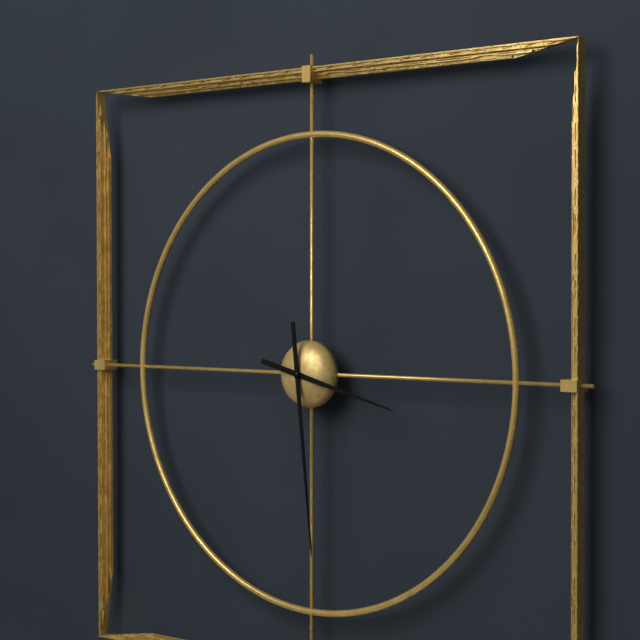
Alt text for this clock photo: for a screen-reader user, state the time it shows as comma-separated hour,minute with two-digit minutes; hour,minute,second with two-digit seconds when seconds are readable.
3,29
